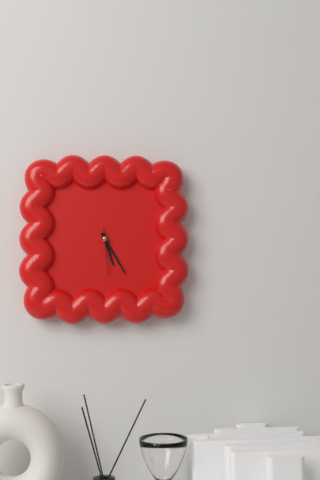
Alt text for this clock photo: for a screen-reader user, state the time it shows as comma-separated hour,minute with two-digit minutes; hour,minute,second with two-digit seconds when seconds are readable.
5,25
